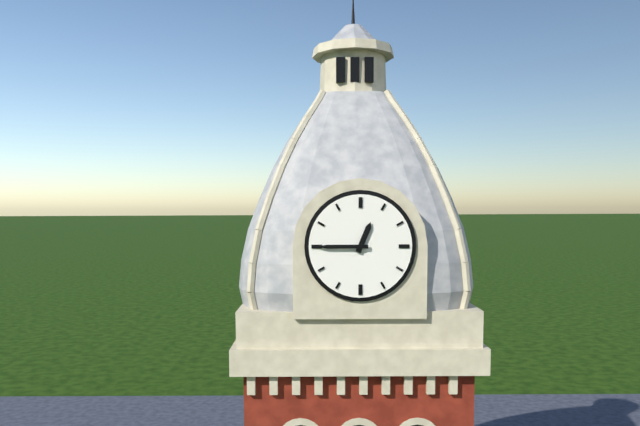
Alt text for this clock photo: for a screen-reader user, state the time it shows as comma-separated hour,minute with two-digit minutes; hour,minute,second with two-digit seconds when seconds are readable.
12,45
